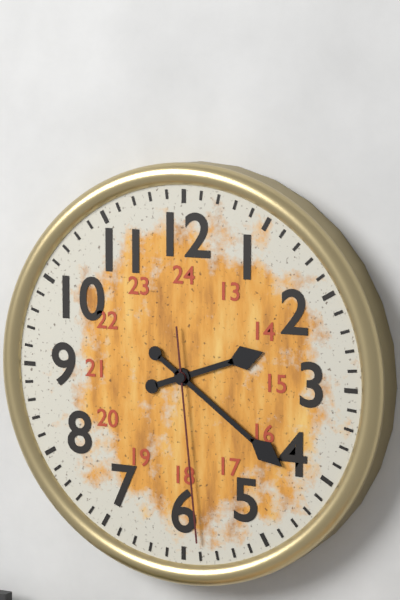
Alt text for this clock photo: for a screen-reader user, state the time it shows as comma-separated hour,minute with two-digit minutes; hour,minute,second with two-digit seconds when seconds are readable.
2,21,29
